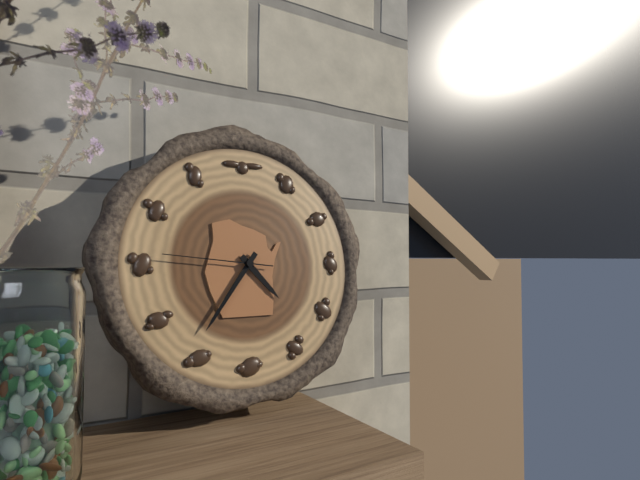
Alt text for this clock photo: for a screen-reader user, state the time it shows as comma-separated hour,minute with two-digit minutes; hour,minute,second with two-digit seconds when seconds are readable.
4,36,46
